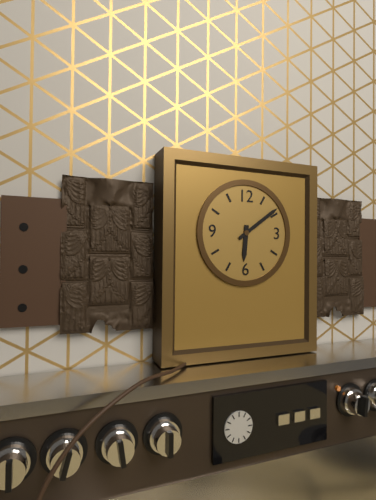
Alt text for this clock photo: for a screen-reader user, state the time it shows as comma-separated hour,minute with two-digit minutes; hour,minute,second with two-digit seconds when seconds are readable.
6,09
